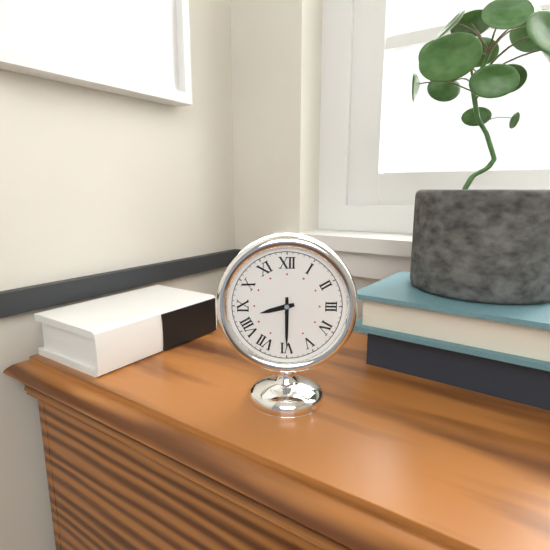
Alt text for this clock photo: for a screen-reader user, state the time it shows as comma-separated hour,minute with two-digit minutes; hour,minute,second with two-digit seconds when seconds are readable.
8,30
